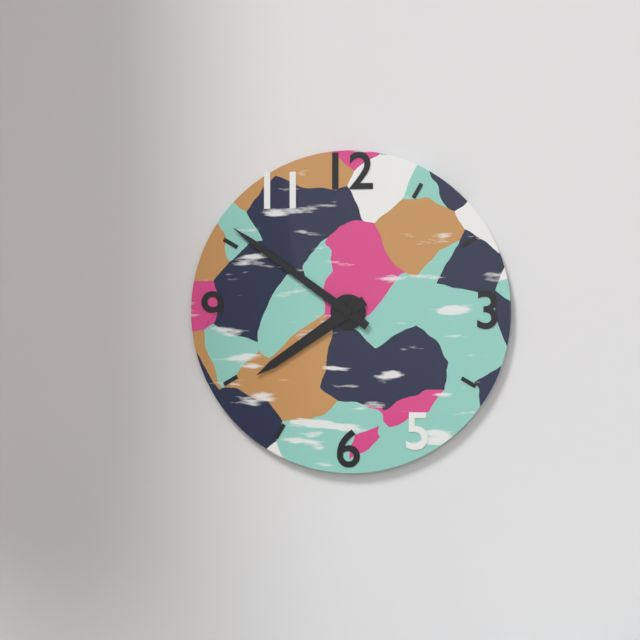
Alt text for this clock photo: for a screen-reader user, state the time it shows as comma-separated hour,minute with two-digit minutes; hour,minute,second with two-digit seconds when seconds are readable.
7,51
